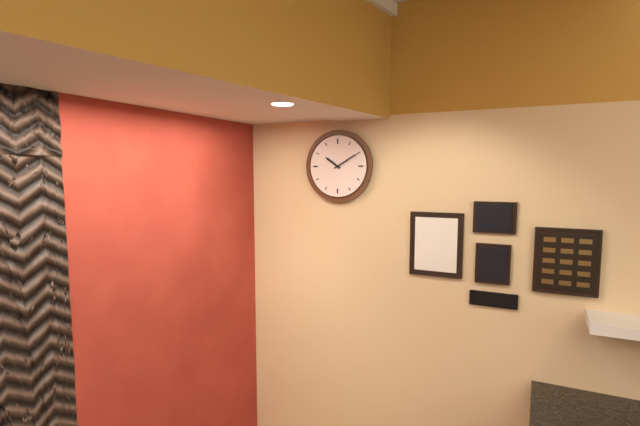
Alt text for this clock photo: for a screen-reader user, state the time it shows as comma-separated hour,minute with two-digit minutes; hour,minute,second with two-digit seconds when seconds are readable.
10,10
